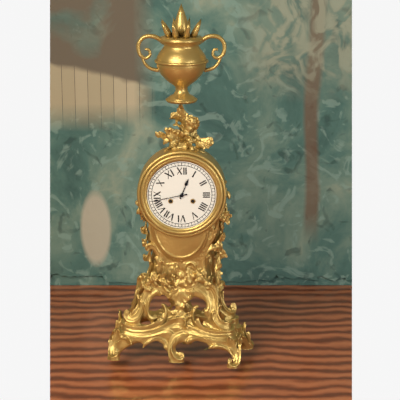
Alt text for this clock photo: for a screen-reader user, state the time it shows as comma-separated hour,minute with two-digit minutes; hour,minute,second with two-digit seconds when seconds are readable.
12,43
